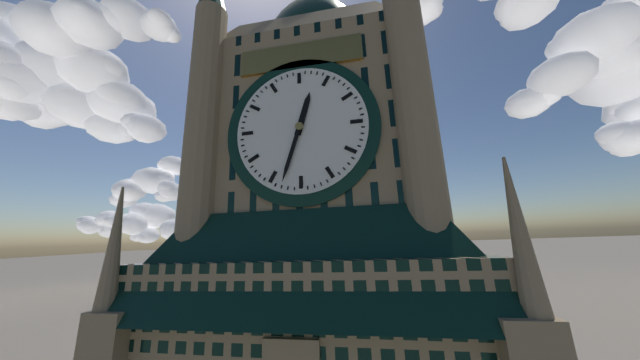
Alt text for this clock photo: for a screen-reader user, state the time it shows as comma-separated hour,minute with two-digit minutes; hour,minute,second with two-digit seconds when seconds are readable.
12,33
